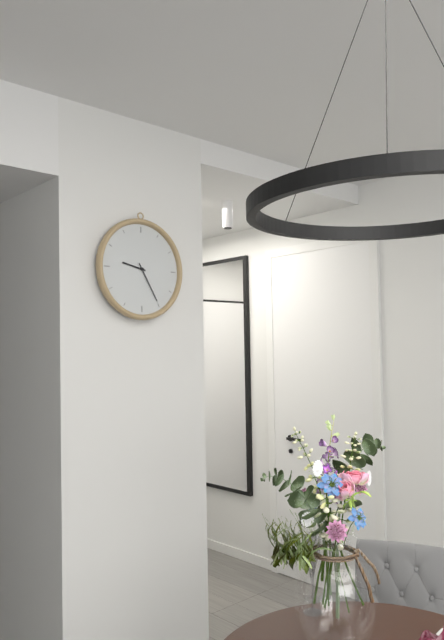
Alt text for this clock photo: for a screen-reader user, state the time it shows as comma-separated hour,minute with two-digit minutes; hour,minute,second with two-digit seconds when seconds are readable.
9,25
